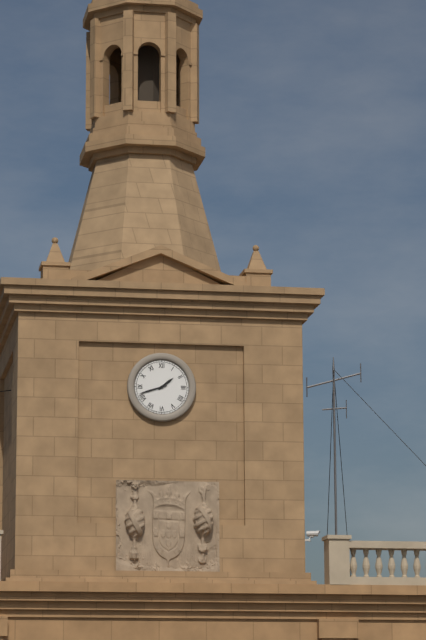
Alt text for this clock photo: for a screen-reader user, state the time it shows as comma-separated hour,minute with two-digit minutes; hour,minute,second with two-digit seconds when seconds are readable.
1,42
